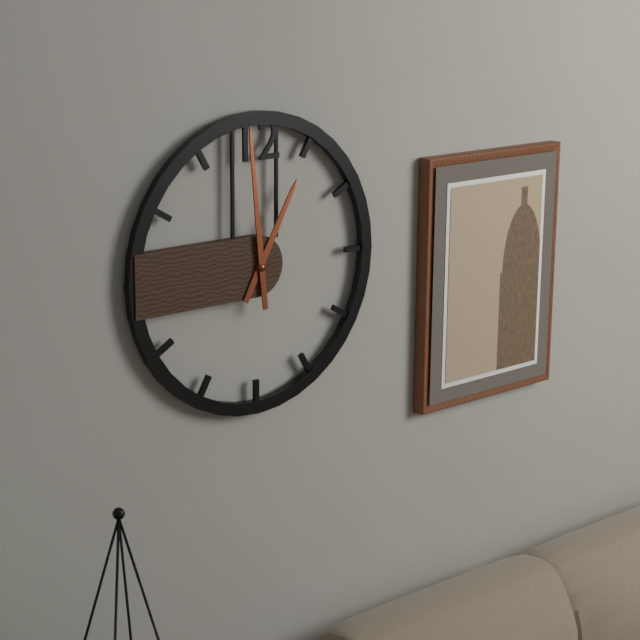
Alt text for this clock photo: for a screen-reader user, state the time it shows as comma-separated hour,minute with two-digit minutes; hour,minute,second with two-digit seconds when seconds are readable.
12,59
